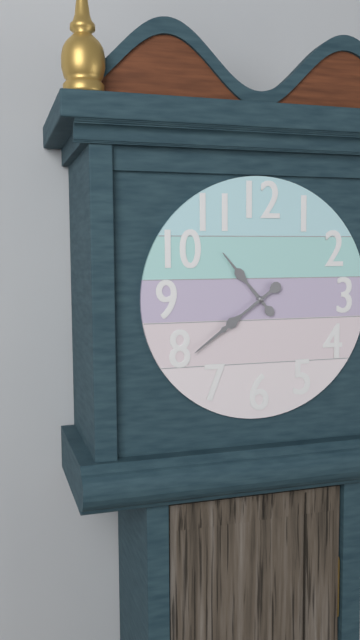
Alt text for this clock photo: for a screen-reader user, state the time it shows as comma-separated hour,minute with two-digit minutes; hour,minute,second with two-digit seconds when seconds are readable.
10,39
